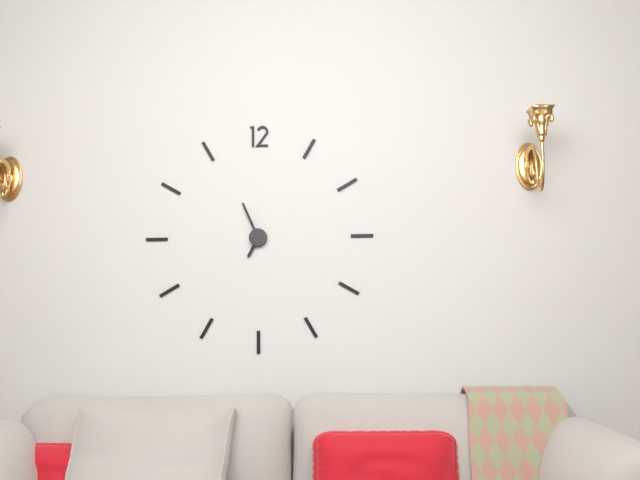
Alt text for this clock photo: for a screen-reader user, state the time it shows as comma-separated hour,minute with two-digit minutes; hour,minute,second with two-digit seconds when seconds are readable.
6,56
